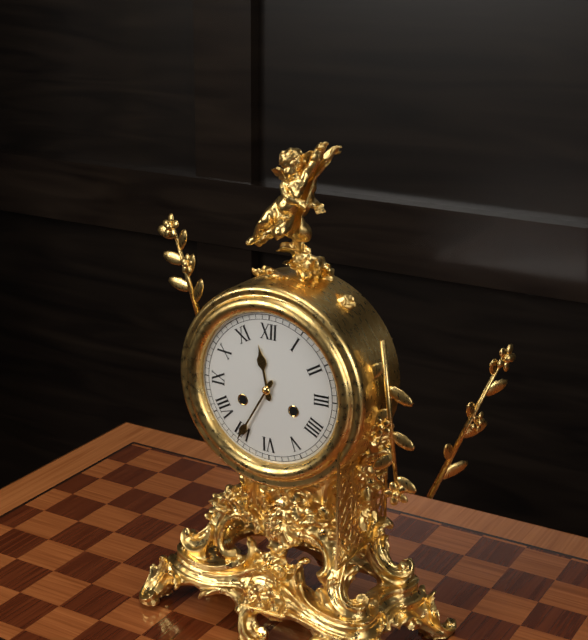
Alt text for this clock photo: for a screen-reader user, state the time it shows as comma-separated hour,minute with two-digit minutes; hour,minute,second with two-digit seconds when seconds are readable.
11,35
